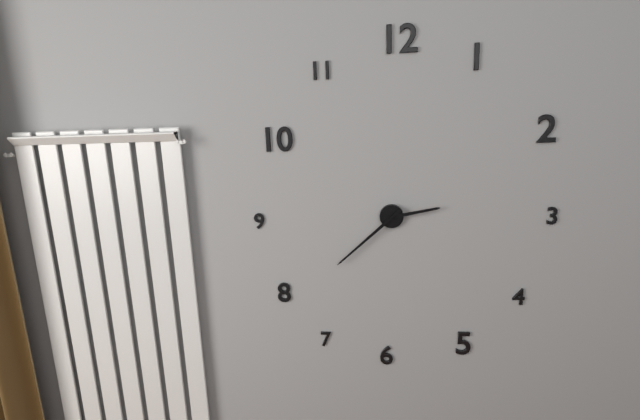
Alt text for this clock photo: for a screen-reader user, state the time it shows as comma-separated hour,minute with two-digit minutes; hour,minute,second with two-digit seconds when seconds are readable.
2,38
